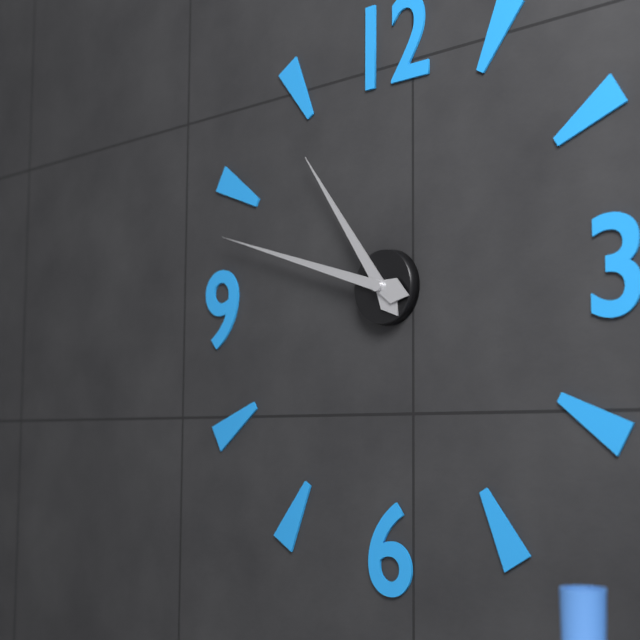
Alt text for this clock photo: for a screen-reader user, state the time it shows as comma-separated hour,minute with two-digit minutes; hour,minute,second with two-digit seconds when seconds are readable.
10,48
